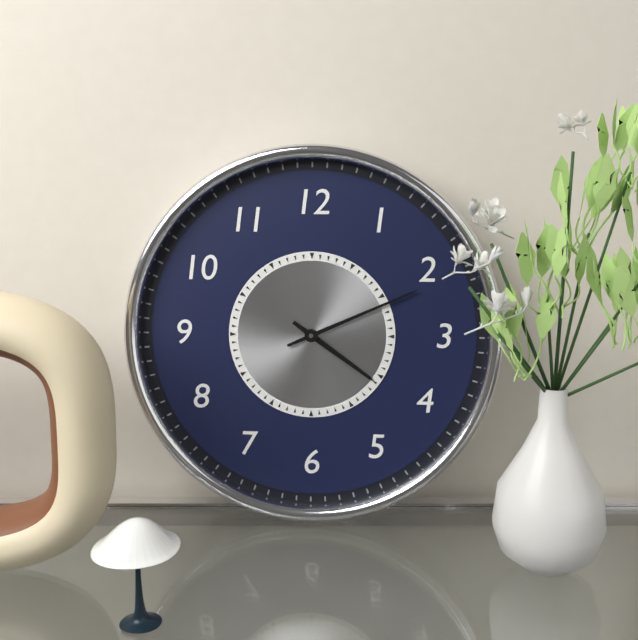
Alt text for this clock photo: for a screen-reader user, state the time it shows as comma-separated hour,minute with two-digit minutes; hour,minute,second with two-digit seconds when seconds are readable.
4,11
